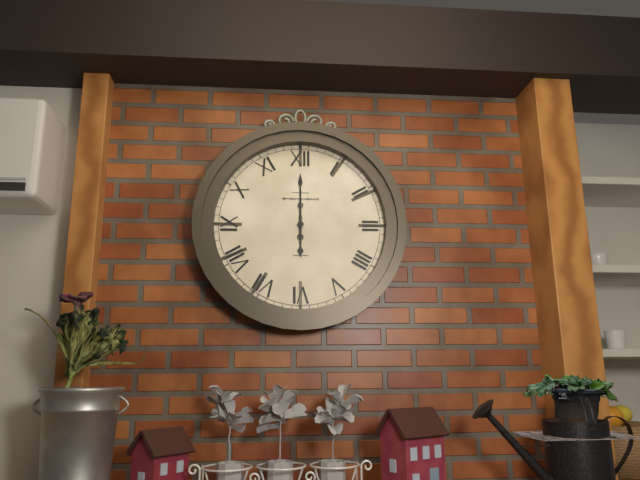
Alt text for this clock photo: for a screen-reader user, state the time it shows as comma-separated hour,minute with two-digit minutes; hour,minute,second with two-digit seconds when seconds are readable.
6,00
